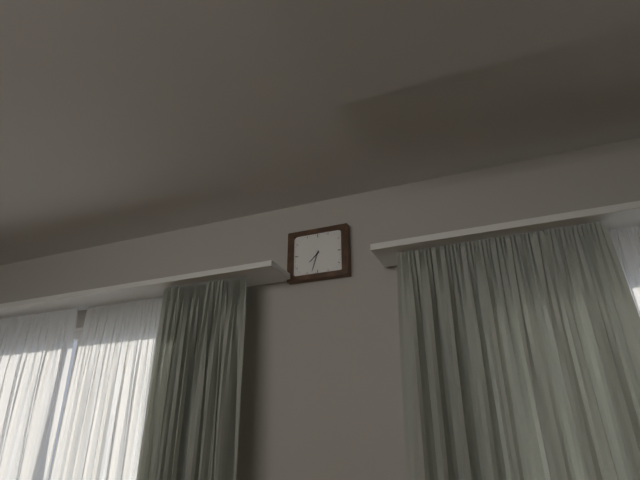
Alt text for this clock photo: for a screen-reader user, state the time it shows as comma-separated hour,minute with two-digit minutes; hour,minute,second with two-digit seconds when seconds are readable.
7,33
